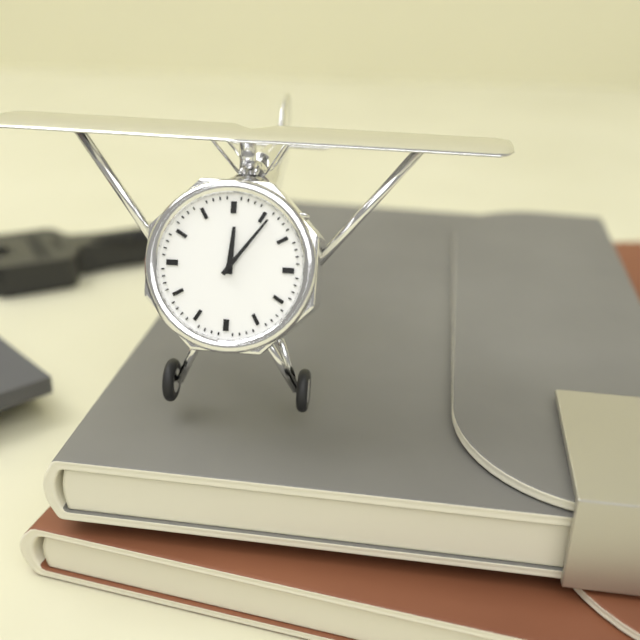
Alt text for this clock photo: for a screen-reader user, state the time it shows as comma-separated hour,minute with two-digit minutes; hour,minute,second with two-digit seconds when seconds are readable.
12,06
